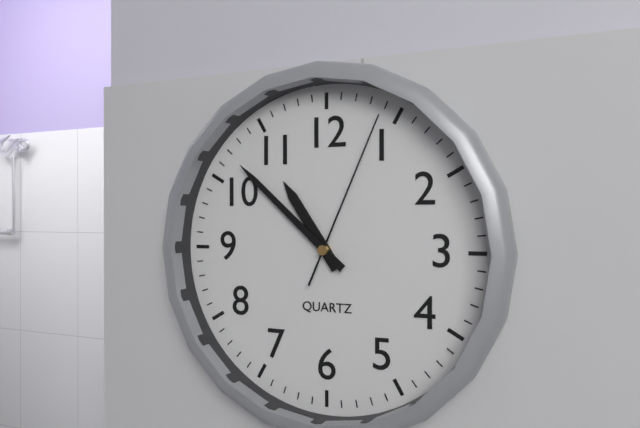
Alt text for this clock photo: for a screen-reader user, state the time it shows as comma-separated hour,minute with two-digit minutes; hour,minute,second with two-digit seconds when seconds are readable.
10,52,04
